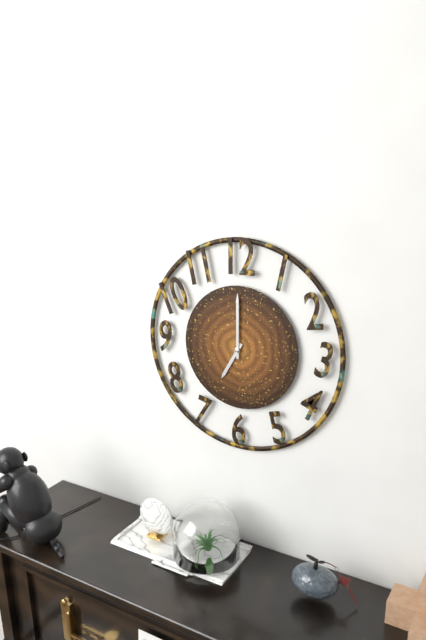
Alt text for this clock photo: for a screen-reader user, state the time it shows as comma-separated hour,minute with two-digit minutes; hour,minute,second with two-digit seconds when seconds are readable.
7,00
